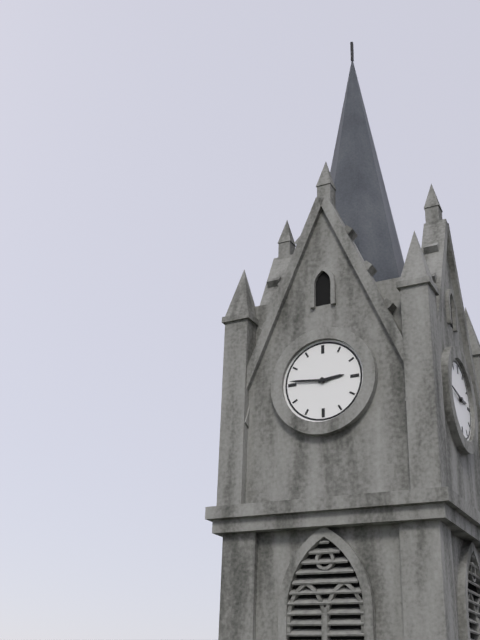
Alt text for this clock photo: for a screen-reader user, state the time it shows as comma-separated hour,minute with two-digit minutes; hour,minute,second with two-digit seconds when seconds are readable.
2,46
